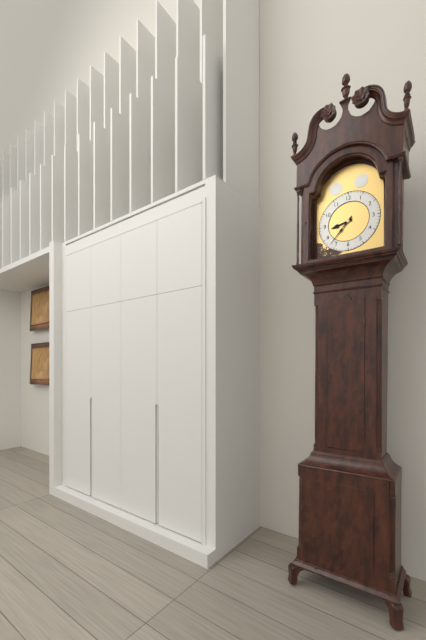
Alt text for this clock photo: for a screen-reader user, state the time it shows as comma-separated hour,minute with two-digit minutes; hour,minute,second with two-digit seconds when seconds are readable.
8,37
